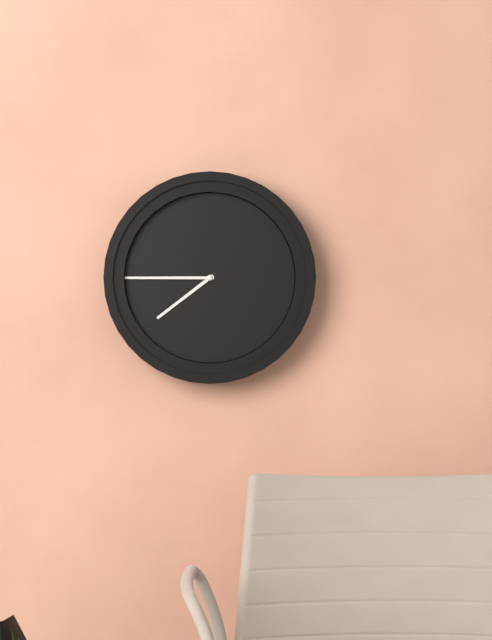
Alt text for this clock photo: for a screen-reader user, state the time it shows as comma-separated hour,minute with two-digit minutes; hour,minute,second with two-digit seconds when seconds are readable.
7,45
